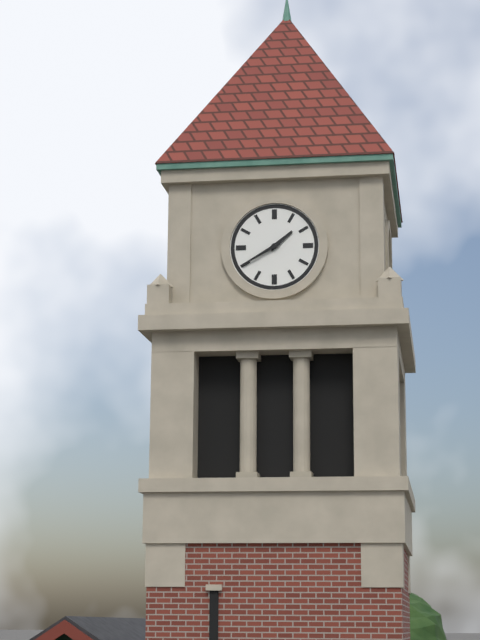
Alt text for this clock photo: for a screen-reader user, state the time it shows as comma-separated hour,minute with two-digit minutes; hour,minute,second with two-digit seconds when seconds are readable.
1,40
